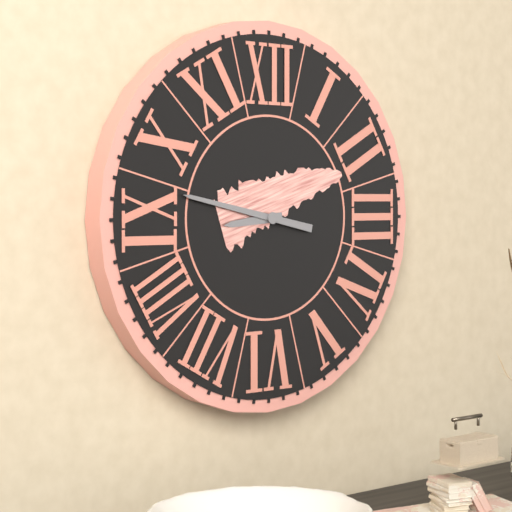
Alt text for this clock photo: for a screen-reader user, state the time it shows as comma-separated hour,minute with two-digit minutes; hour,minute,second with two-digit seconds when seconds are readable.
8,47
